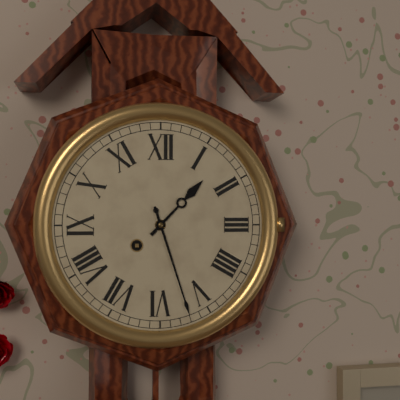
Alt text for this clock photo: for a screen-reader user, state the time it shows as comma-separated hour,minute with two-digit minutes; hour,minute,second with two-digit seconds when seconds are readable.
1,27
